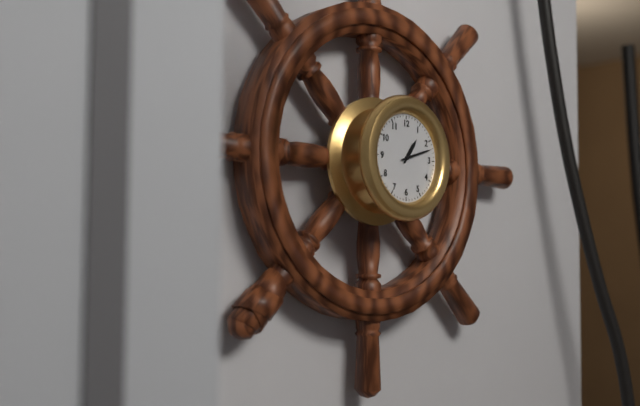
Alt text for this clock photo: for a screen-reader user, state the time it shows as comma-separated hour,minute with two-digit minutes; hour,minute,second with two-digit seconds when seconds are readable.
1,12
